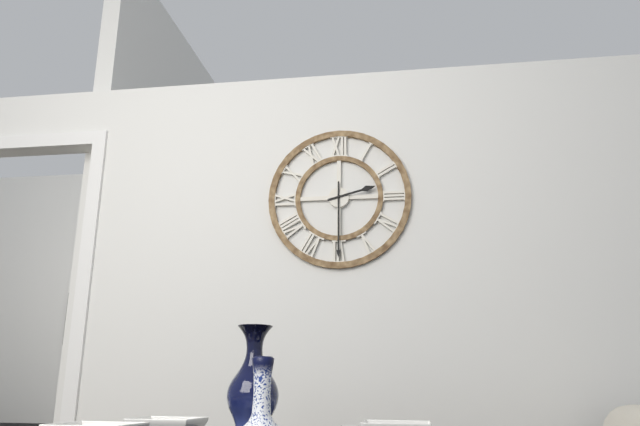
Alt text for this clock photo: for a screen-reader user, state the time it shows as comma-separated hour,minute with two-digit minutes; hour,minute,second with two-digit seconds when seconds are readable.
2,30
